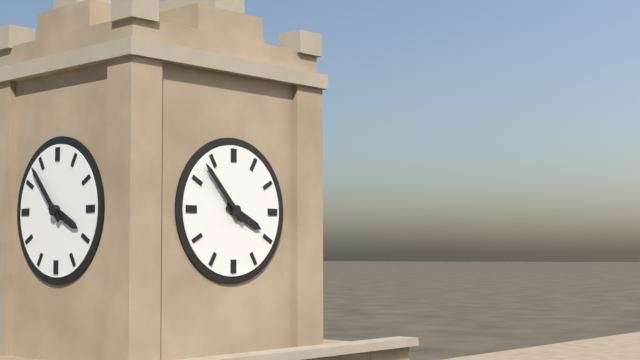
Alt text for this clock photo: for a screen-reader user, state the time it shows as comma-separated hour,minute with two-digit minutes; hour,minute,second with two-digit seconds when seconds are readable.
3,53
